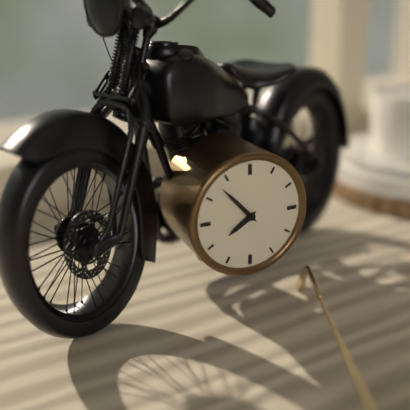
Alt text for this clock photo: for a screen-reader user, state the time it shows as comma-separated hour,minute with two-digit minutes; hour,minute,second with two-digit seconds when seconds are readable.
7,53
